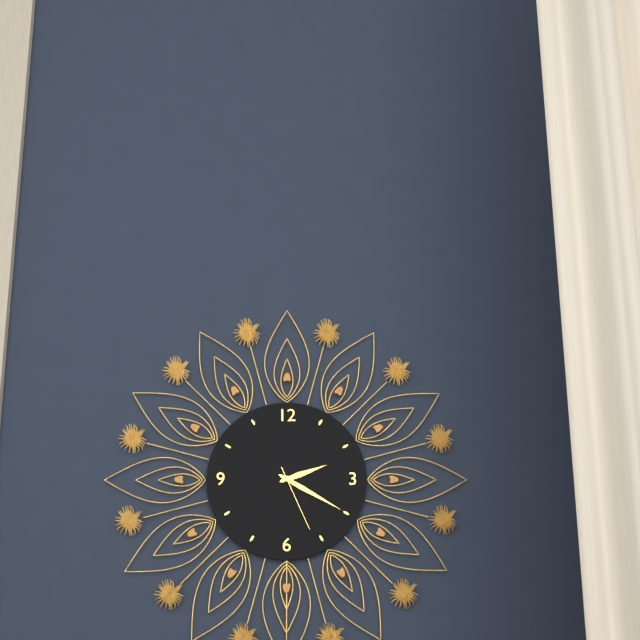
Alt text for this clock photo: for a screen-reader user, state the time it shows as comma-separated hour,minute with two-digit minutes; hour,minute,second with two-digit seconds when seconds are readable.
2,20,26
